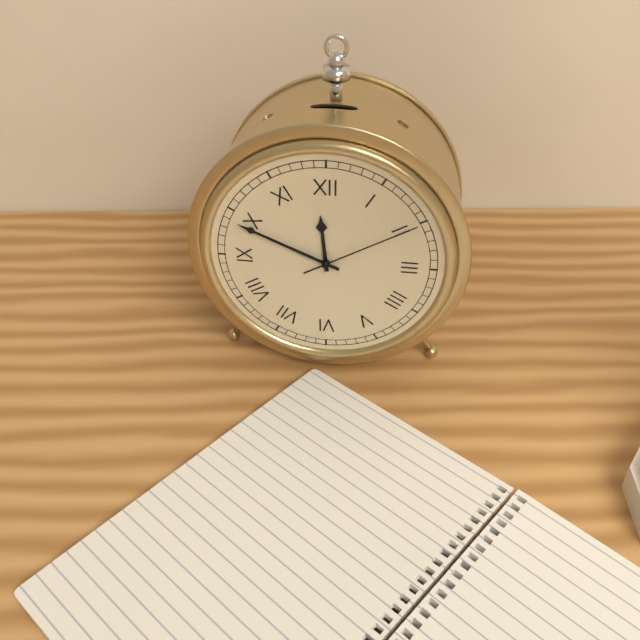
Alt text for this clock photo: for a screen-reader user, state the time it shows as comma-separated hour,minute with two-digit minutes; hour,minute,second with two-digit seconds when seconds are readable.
11,49,10
